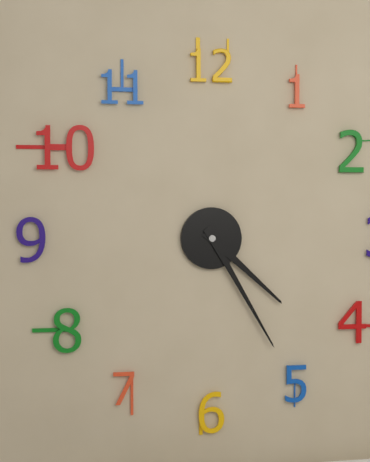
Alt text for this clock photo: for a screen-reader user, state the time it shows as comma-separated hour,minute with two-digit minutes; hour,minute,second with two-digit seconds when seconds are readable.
4,25
